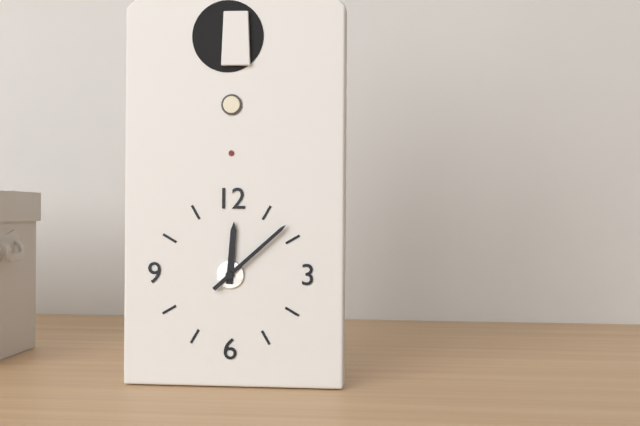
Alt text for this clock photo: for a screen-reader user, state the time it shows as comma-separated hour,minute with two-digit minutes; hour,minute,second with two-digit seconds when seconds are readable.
12,08
